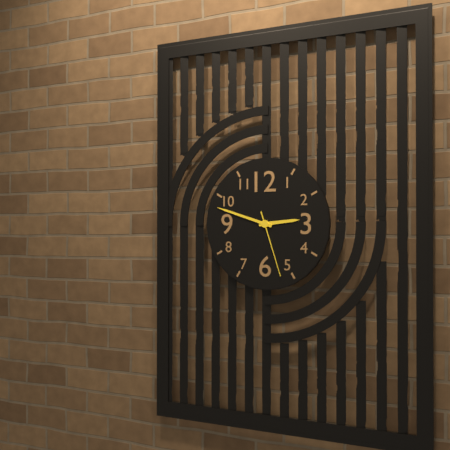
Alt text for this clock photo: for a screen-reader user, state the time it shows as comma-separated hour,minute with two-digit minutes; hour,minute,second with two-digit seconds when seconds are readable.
2,48,27
